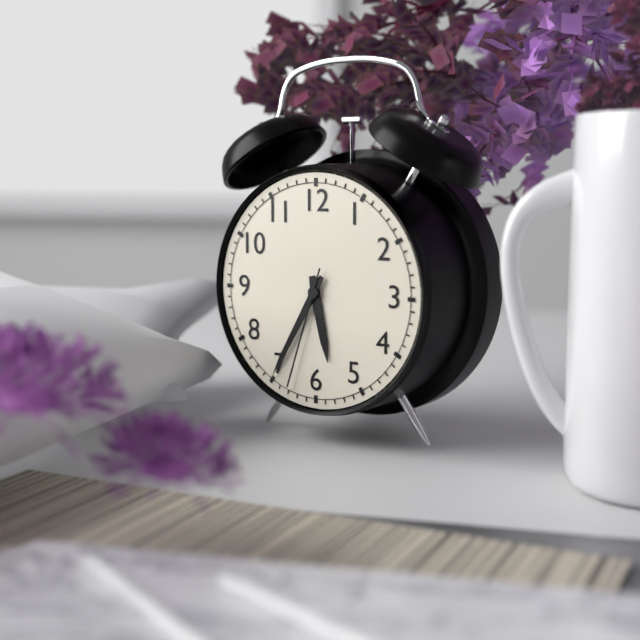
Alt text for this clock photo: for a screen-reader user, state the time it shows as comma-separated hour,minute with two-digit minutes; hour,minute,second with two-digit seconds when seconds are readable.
5,35,33
